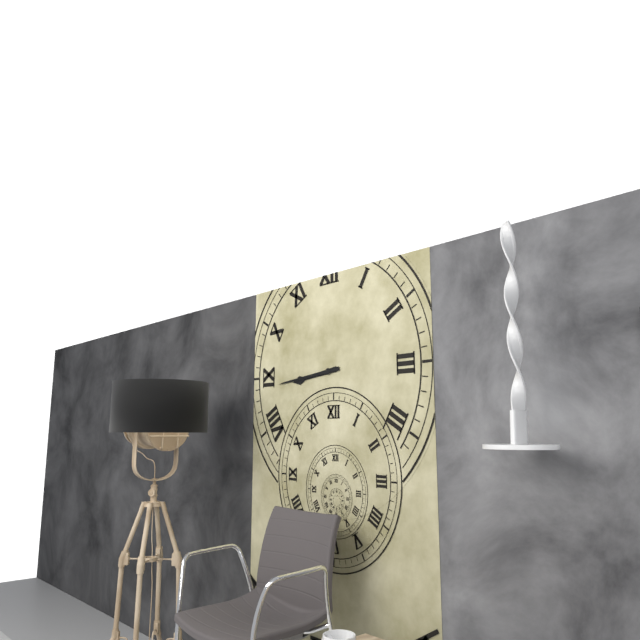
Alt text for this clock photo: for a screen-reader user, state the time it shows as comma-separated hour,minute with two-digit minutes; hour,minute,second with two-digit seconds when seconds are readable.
8,44
